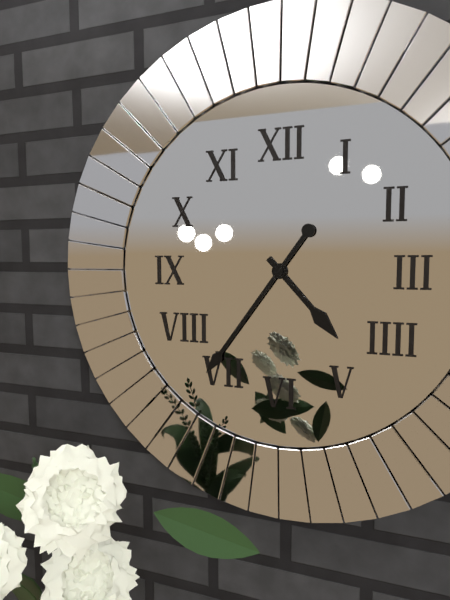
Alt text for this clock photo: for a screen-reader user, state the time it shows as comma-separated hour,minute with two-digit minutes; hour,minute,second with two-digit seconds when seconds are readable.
4,36
